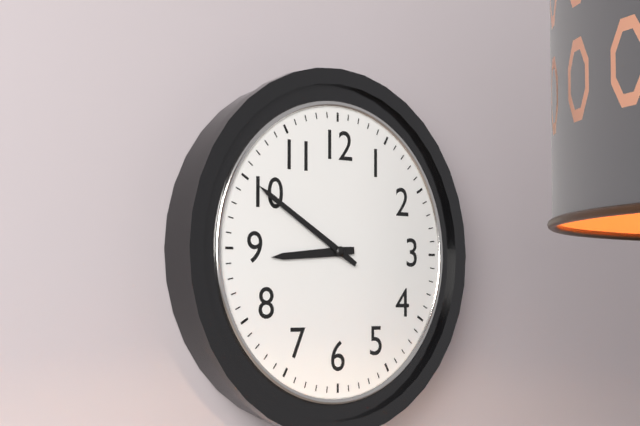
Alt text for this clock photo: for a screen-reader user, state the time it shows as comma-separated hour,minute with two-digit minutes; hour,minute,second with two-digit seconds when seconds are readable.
8,50
